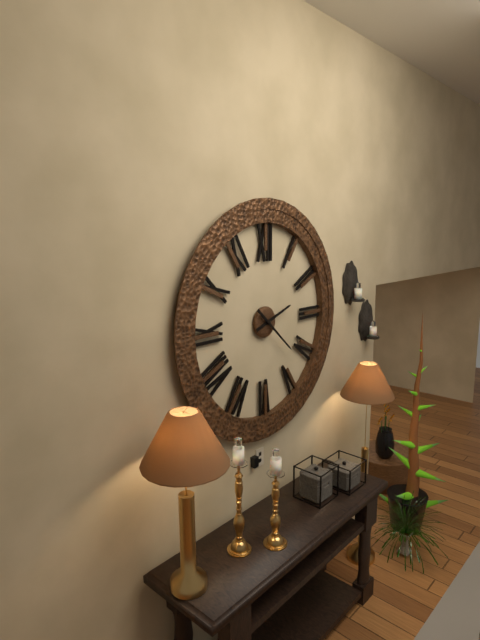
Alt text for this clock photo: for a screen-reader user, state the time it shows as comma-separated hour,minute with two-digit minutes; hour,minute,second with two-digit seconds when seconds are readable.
2,22
